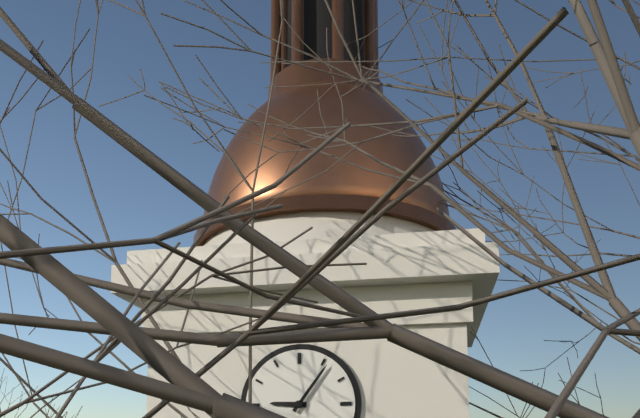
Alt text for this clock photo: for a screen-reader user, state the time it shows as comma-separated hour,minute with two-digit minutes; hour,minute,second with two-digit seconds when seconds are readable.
9,06
